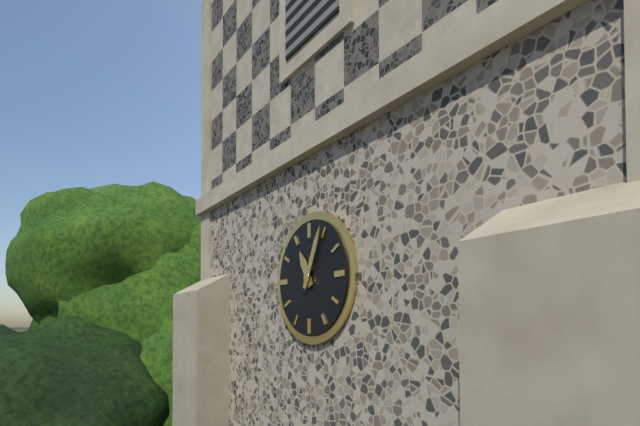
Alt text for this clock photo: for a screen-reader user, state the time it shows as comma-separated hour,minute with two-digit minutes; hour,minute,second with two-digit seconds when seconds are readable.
11,04
